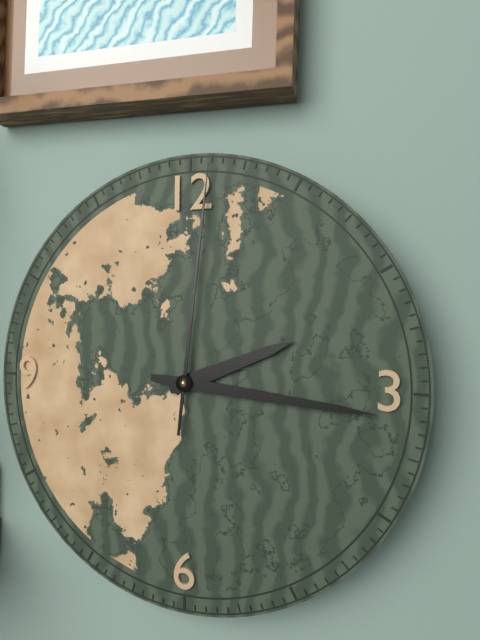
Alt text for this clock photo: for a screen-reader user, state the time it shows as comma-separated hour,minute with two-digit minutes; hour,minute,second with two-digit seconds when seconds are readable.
2,16,01
